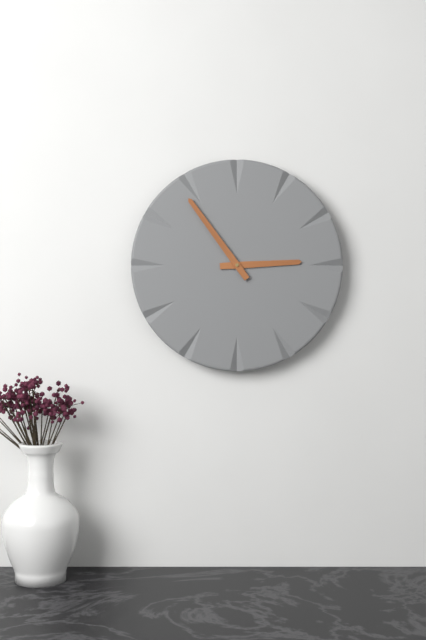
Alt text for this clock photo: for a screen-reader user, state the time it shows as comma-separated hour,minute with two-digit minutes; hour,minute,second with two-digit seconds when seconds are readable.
2,54
